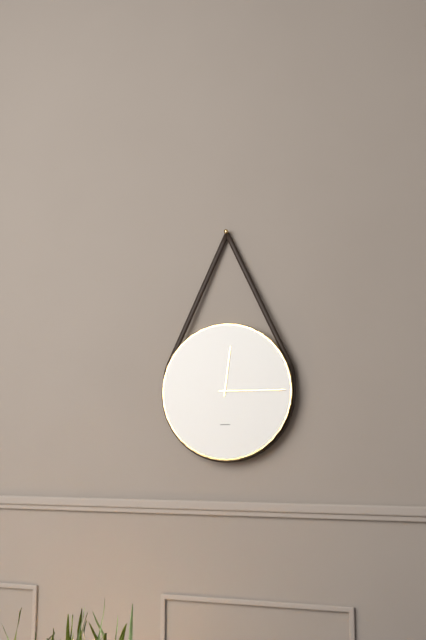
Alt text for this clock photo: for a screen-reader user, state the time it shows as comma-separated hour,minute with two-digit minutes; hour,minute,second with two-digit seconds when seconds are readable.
12,15
